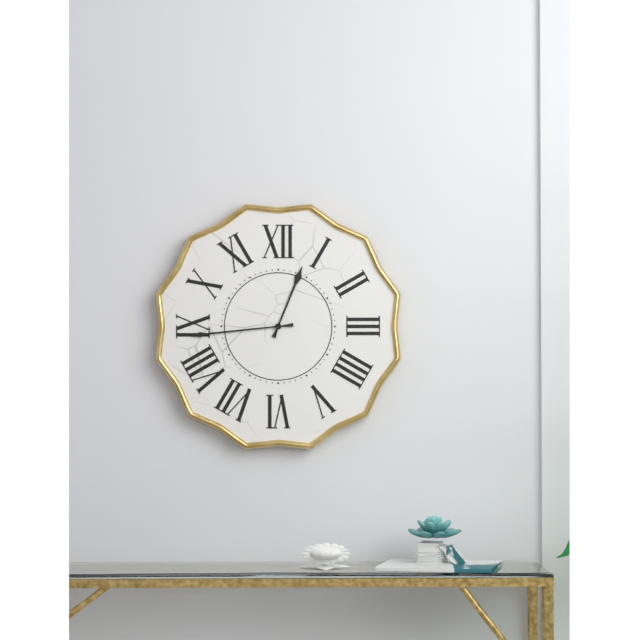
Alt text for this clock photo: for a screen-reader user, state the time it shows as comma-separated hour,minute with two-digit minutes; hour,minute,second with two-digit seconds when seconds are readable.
12,44
